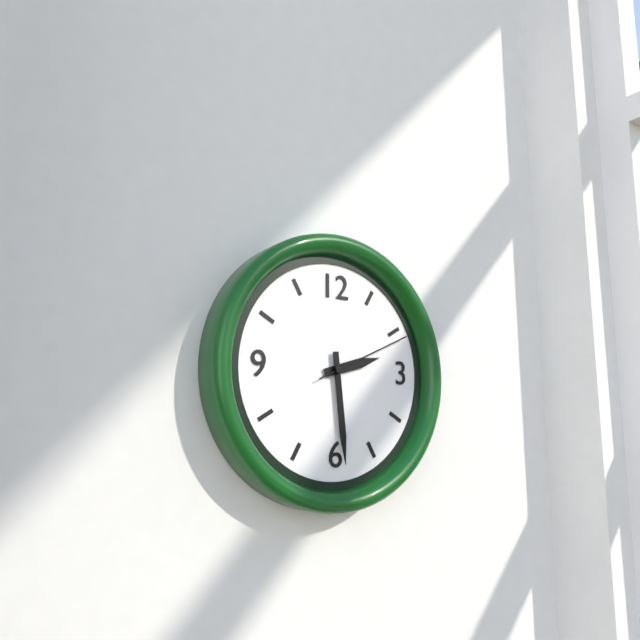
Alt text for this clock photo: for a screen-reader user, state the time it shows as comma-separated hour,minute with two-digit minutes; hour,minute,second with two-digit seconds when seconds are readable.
2,29,11
